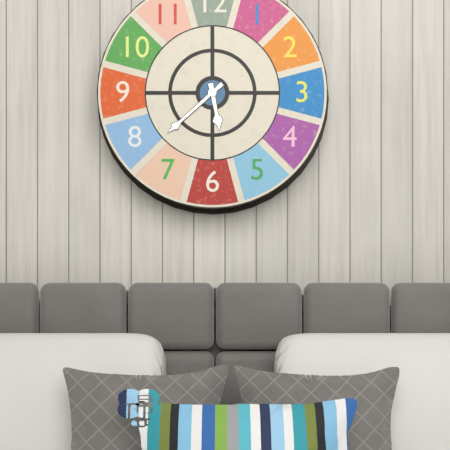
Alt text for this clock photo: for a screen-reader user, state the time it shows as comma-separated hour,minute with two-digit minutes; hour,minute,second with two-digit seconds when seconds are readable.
5,38
